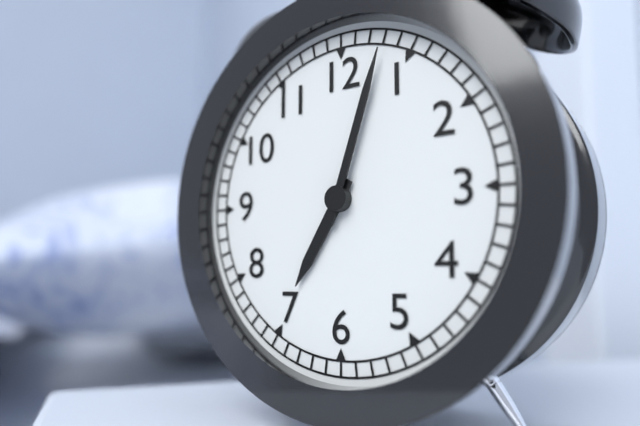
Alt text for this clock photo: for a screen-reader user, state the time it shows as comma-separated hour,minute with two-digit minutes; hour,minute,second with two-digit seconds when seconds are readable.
7,03
